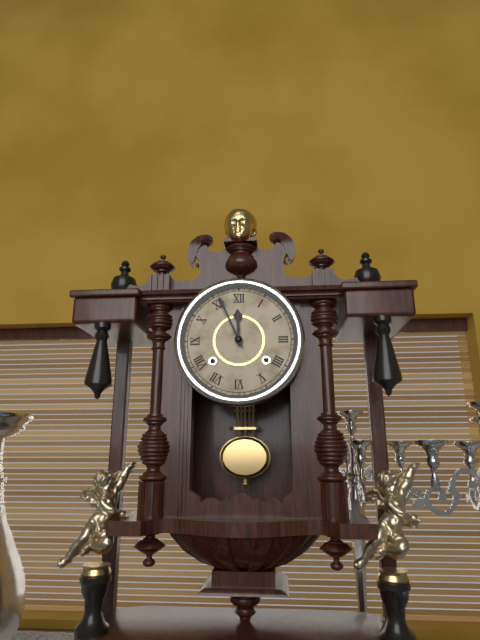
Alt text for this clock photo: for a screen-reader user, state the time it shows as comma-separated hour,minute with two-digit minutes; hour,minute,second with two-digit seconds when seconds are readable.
11,56
